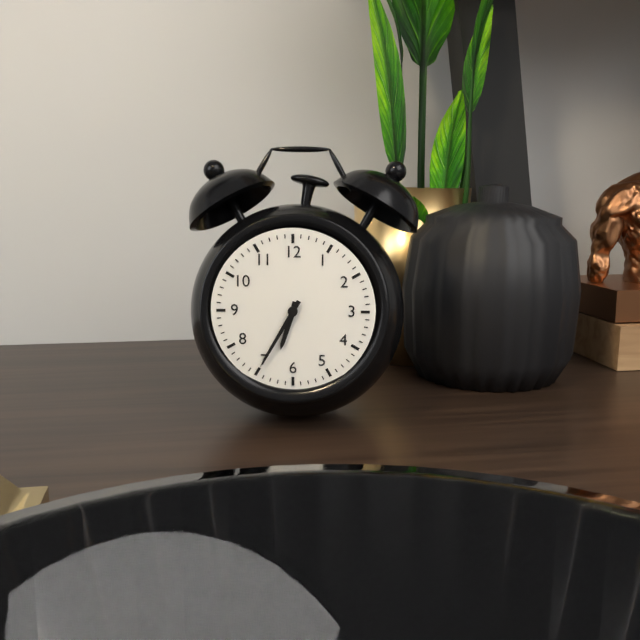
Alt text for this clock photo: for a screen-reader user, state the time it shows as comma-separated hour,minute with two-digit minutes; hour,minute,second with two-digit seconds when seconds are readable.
6,35
